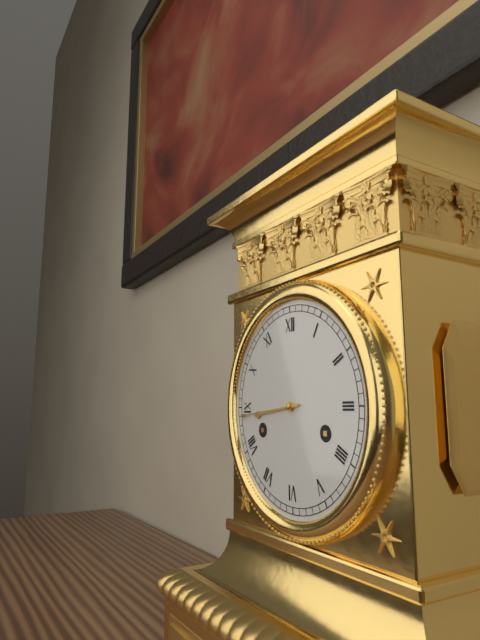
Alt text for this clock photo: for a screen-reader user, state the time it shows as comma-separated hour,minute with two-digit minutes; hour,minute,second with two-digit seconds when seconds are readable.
8,44
